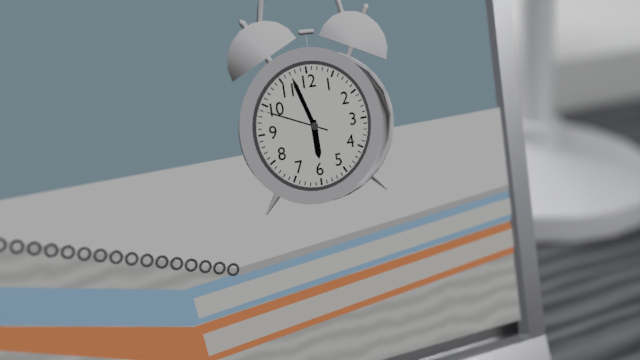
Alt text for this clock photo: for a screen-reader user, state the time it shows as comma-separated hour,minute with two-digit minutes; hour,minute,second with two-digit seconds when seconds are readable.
5,57,49
